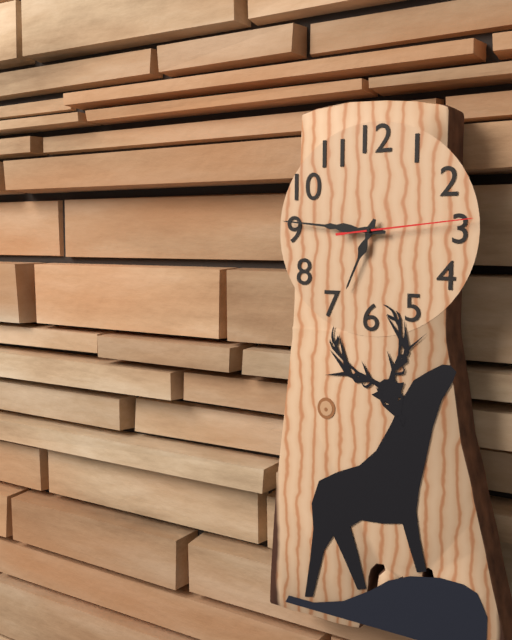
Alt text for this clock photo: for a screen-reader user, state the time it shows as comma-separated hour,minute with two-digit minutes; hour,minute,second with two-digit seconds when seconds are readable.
6,46,14
